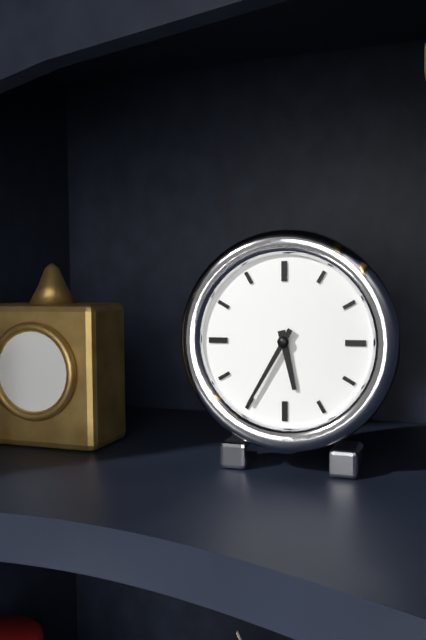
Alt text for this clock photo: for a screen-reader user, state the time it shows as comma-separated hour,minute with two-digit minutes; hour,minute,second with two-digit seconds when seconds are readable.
5,35
